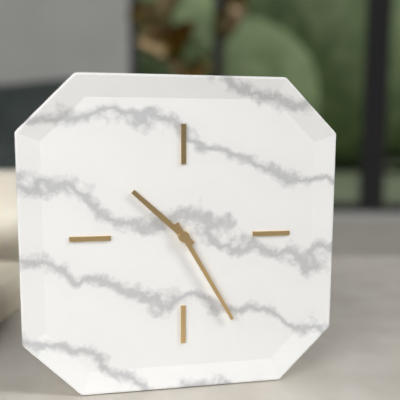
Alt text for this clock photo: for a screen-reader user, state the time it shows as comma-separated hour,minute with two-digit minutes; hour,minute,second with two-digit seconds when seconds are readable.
10,25
